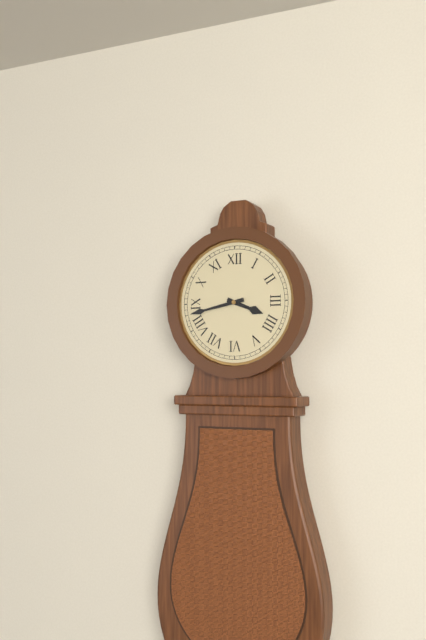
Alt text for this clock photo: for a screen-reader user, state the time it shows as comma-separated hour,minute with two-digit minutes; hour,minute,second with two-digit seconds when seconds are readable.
3,43
